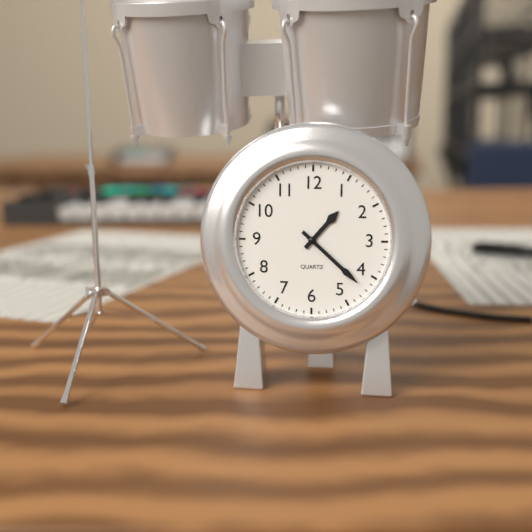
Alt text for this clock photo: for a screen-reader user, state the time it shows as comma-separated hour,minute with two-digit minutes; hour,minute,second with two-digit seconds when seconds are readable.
1,22
